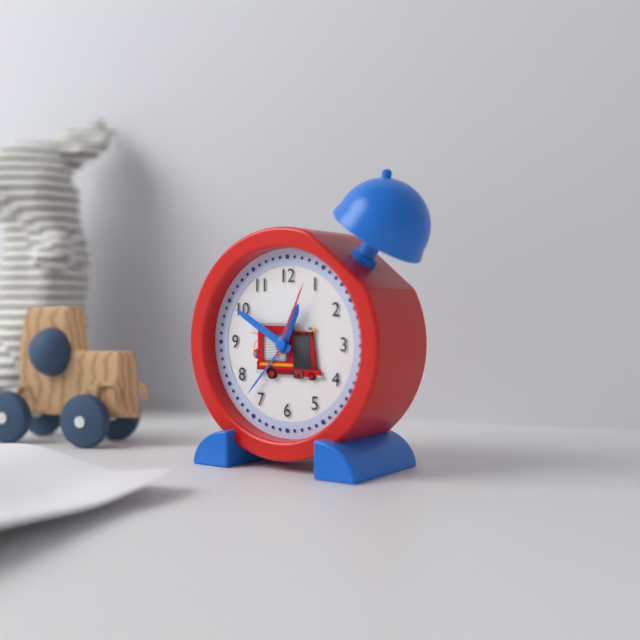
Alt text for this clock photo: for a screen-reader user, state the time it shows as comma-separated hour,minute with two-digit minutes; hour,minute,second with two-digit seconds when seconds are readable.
12,50,04
